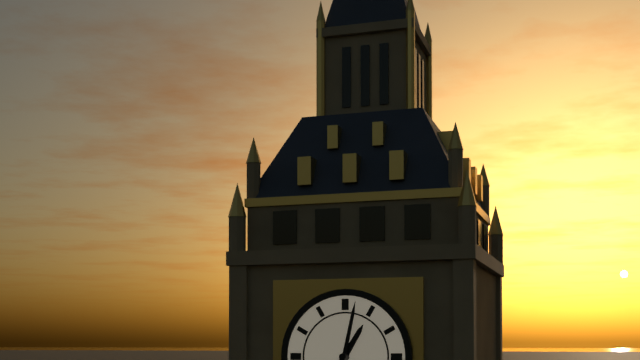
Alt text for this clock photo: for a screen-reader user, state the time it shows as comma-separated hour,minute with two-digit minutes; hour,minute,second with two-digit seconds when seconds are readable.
1,02
